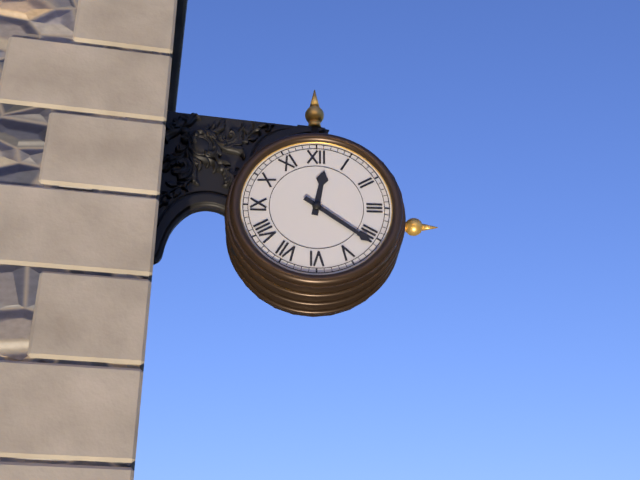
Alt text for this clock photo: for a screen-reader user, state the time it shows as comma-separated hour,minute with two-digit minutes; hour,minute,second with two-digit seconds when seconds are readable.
12,21
